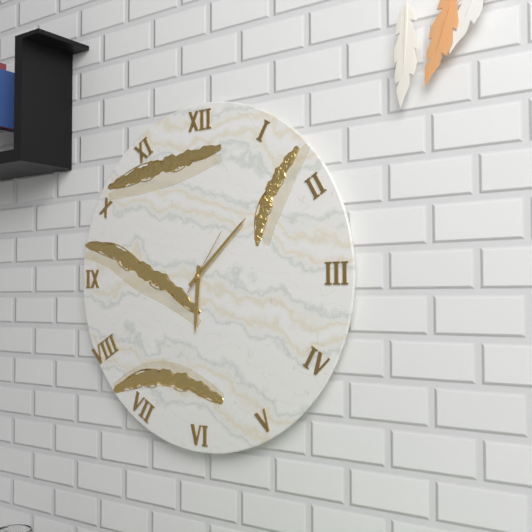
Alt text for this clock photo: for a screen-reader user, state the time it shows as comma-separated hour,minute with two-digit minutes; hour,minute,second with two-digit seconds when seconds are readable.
6,08,06
